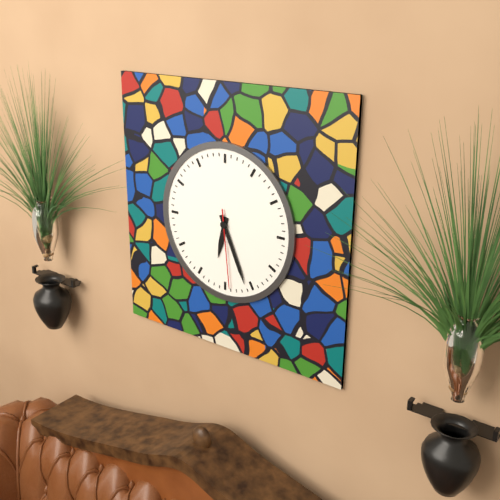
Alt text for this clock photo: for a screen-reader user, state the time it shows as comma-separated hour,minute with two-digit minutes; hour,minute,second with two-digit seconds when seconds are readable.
6,26,29
